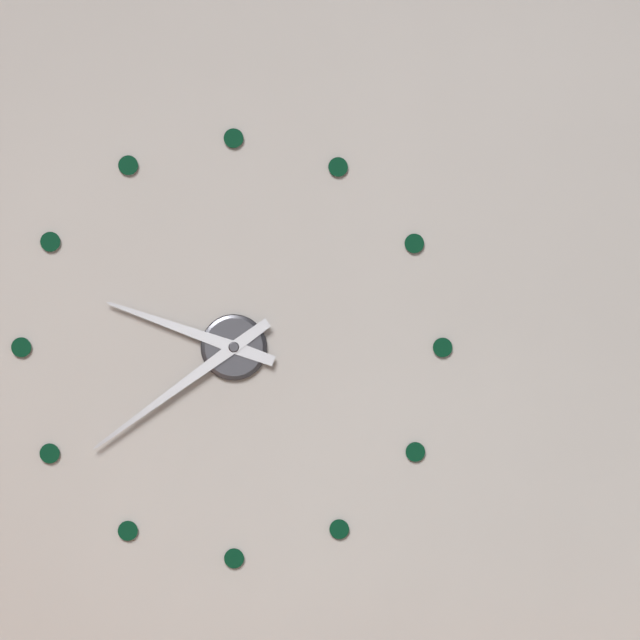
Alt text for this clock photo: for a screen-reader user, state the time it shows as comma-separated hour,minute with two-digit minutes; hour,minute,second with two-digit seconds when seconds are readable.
9,39
